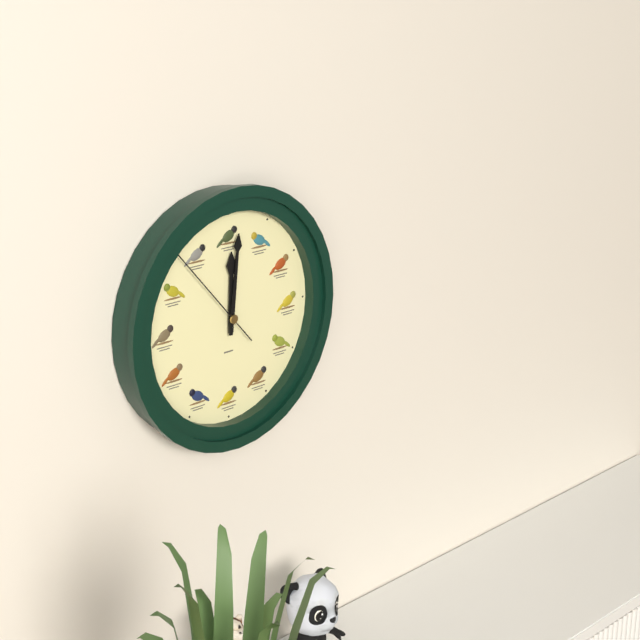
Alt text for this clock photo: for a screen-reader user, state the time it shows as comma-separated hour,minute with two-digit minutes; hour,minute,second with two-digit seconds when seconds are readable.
12,01,53
